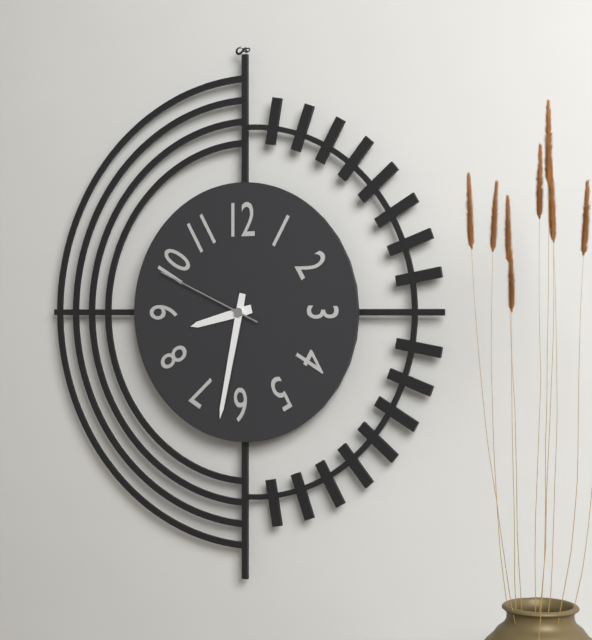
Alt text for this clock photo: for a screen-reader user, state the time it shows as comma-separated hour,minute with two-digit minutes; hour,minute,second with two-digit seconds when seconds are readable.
8,32,49
